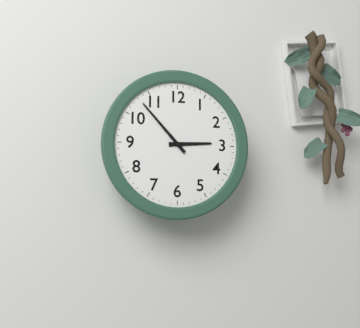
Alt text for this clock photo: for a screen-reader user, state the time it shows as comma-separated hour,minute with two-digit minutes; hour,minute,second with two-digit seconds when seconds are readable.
2,53
